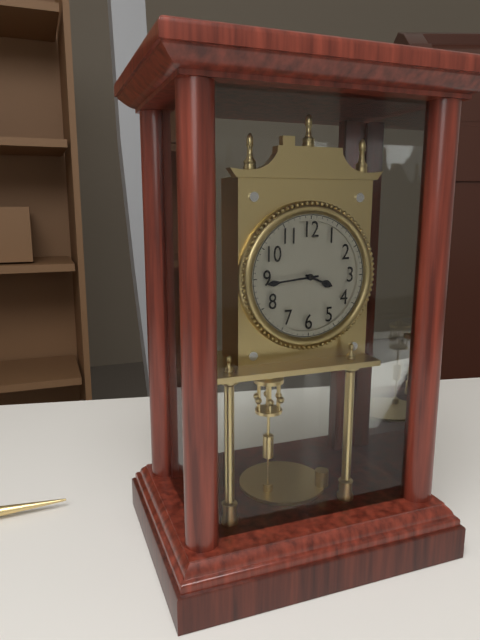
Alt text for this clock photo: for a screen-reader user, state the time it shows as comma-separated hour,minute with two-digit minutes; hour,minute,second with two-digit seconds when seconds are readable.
3,44
